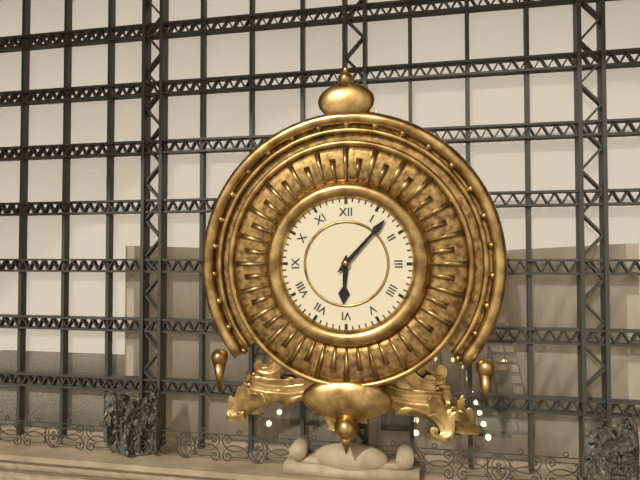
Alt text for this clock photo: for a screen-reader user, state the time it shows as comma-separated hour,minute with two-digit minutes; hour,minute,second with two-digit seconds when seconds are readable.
6,07
